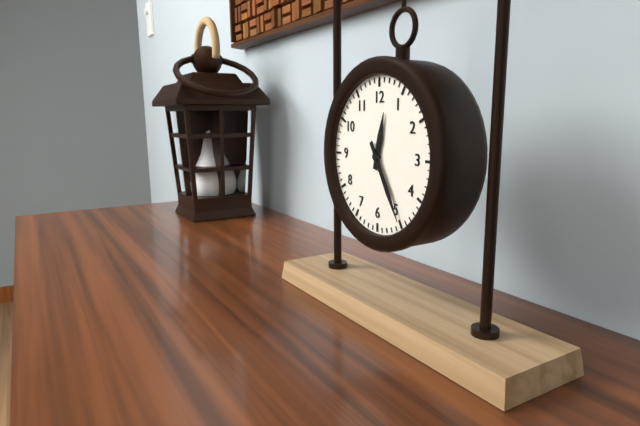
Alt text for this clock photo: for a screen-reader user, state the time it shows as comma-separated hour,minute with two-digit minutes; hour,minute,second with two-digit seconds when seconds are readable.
12,25
